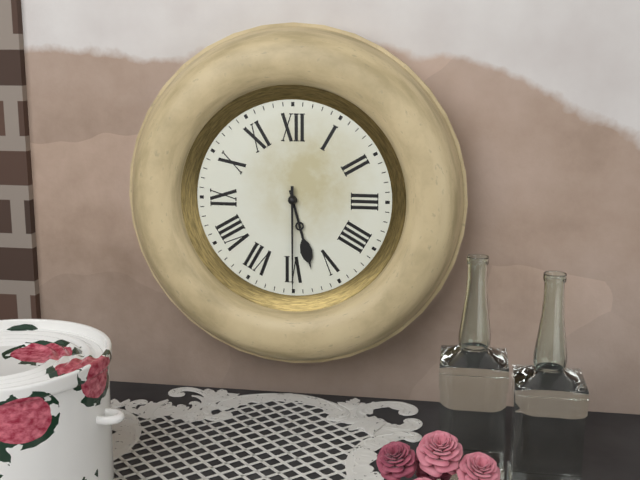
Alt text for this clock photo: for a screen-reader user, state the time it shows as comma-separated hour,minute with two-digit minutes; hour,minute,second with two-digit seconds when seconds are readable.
5,30
